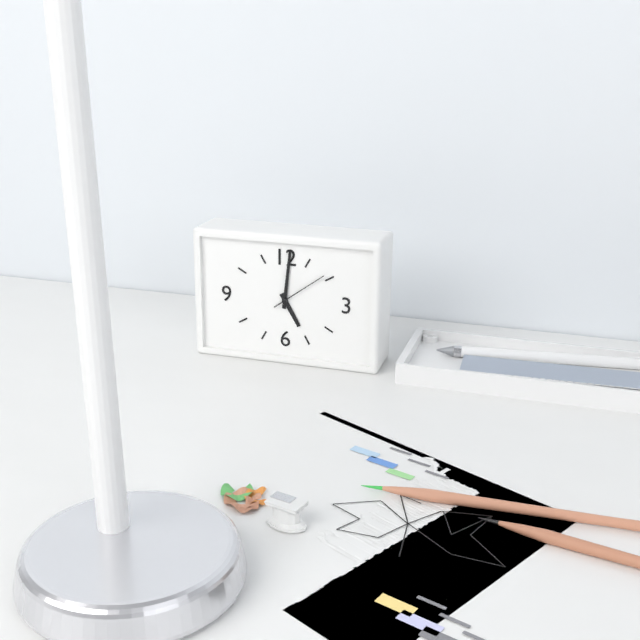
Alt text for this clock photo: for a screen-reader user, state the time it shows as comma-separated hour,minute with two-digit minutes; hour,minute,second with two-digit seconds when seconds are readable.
5,01,09
